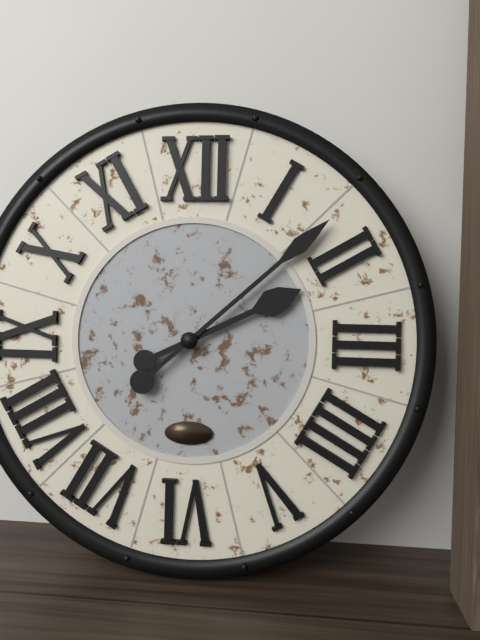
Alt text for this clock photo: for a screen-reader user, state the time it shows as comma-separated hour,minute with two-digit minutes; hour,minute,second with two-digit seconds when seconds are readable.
2,08
